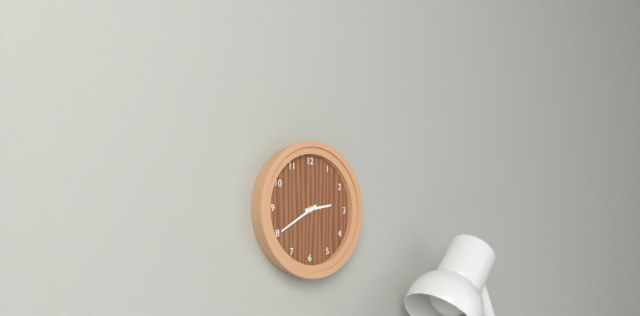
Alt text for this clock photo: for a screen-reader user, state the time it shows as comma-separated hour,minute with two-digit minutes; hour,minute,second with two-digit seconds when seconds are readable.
2,40
